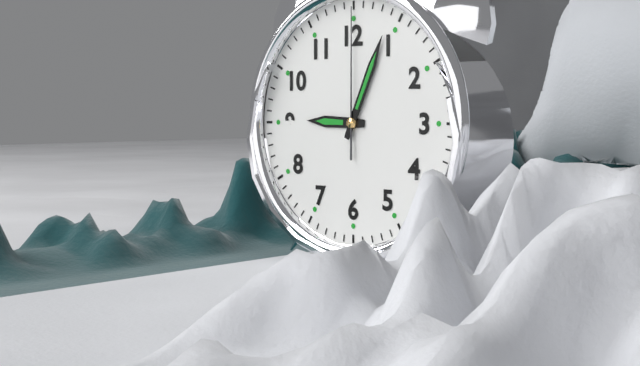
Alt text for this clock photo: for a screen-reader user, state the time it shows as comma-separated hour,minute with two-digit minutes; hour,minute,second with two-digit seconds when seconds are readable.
9,04,00
